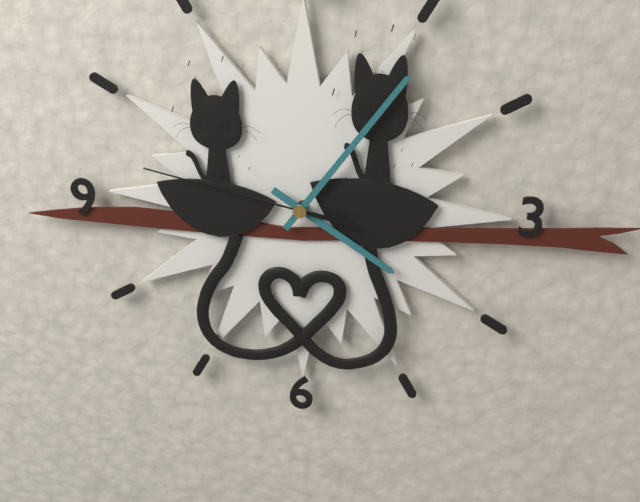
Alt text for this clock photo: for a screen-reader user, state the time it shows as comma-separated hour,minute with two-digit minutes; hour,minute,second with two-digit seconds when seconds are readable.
4,06,47
